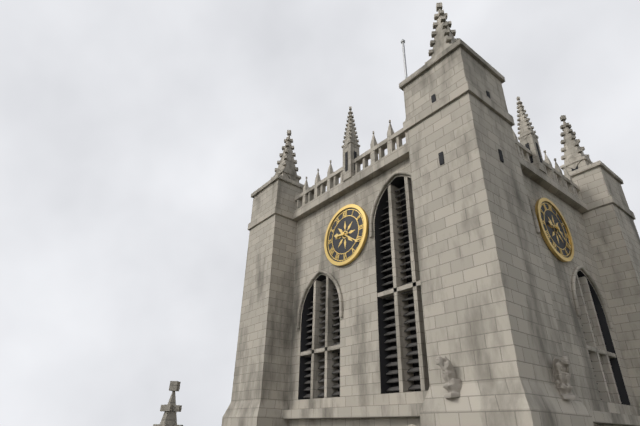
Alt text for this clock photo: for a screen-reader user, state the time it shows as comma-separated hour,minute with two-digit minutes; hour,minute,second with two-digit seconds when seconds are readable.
9,21
